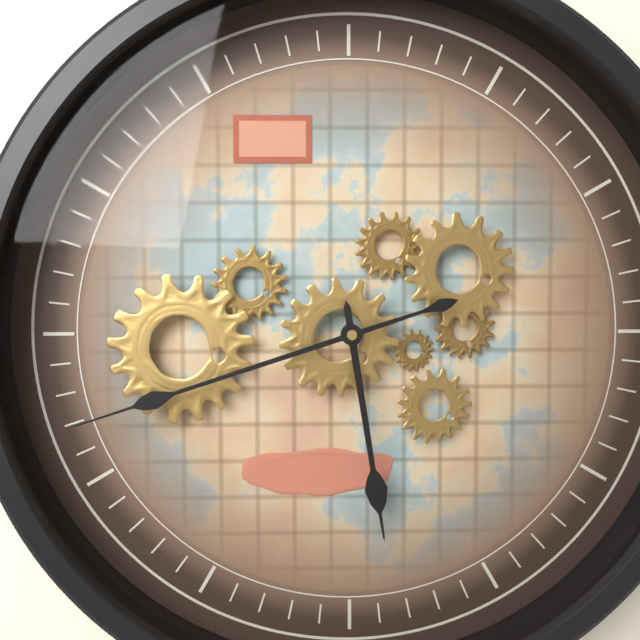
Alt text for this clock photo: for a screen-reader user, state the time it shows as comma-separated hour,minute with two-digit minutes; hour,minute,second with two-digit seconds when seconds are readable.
5,42
